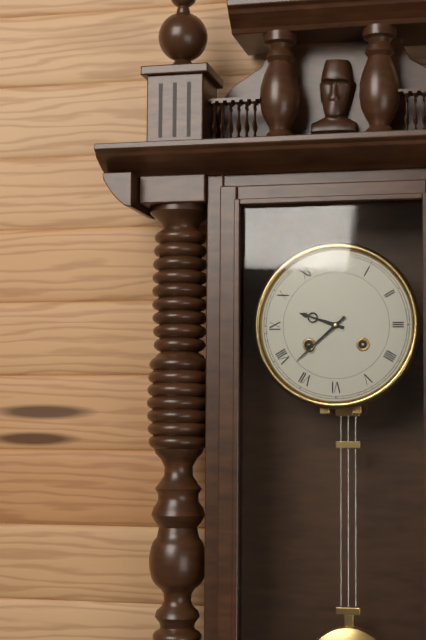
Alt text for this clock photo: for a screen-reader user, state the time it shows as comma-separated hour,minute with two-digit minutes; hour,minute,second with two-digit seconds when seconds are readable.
9,38
